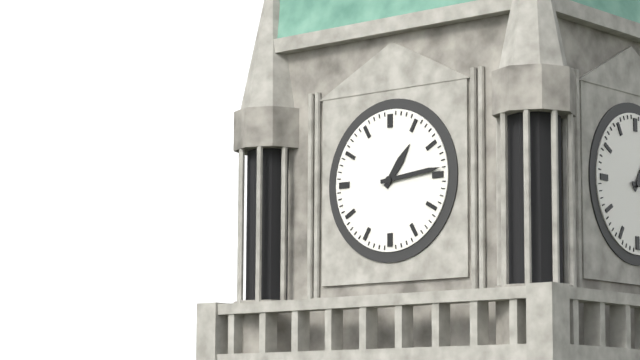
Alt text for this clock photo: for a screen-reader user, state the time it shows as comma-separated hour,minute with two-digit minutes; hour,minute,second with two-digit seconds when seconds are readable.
1,14
